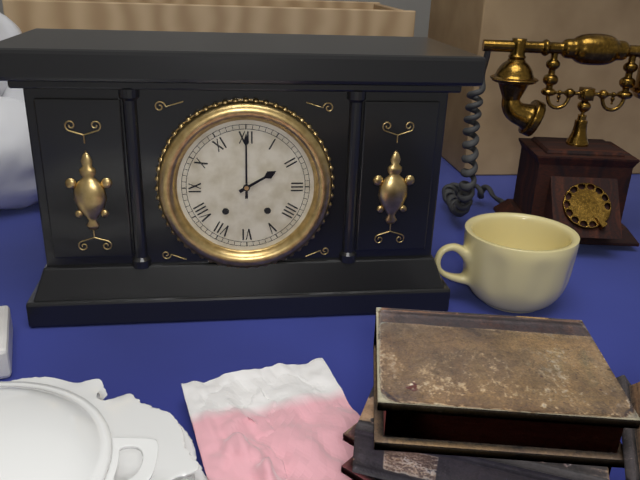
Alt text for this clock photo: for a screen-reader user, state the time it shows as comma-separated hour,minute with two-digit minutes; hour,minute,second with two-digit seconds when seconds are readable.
2,00
